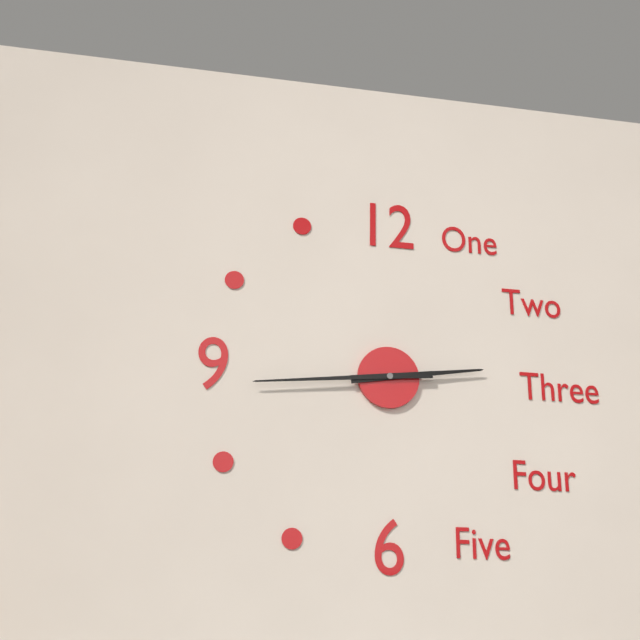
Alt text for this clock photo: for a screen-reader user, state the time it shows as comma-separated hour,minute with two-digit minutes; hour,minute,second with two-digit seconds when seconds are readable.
2,44
